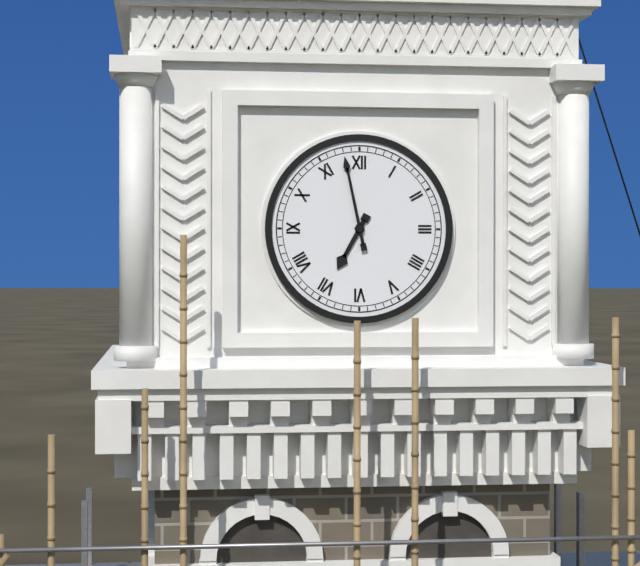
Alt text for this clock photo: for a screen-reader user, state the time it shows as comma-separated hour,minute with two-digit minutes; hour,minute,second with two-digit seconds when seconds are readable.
6,58
